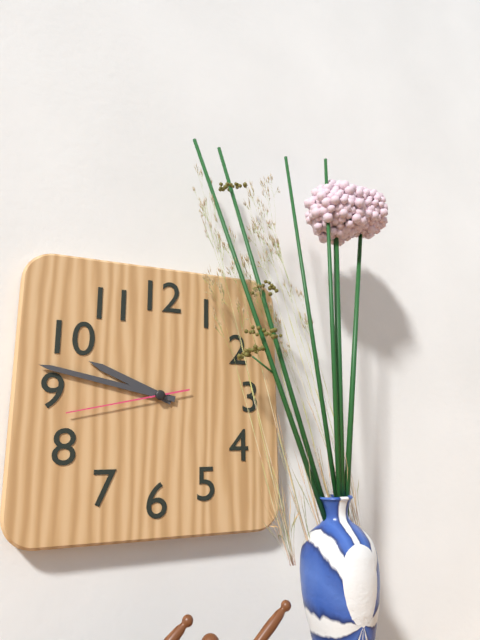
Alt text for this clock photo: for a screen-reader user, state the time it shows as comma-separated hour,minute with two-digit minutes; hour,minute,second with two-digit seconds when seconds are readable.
9,47,43
